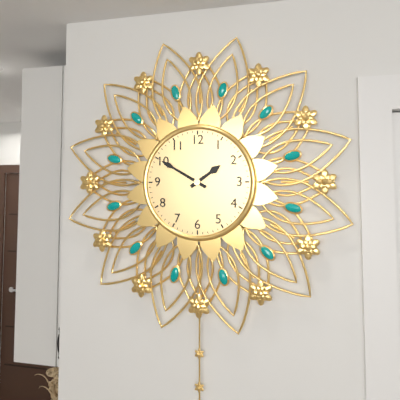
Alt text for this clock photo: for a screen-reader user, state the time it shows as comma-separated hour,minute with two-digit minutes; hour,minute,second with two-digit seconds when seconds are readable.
1,50
